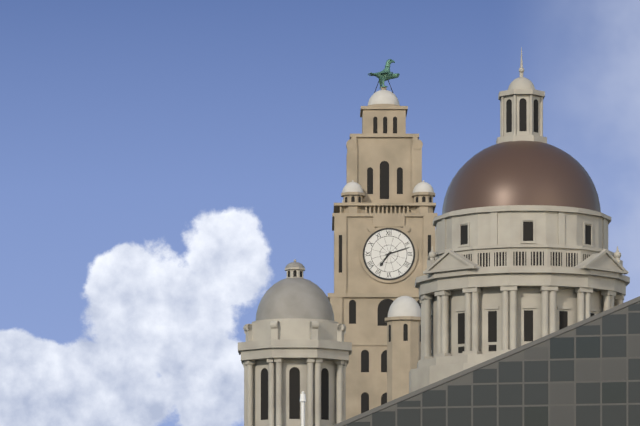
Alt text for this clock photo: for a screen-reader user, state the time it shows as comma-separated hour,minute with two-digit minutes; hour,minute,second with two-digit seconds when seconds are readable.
7,12
